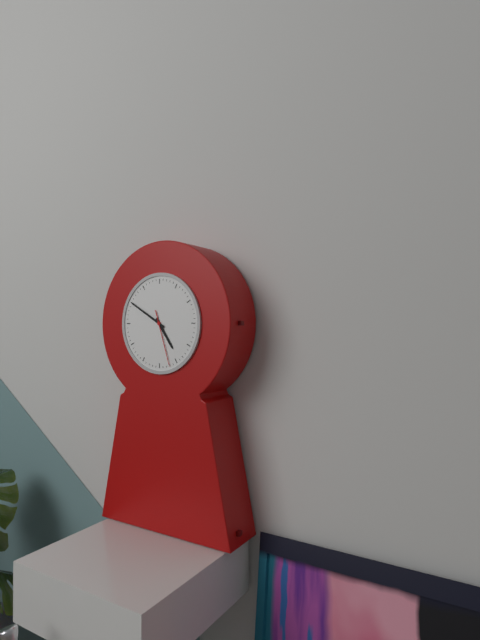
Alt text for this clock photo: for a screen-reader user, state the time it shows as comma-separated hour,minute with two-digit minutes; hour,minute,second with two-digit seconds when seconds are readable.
4,50,27
